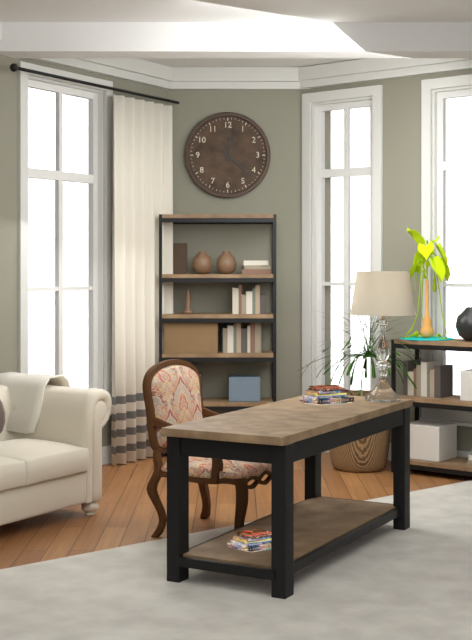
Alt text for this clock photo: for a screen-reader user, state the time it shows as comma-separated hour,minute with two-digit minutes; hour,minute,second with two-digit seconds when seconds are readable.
12,22
